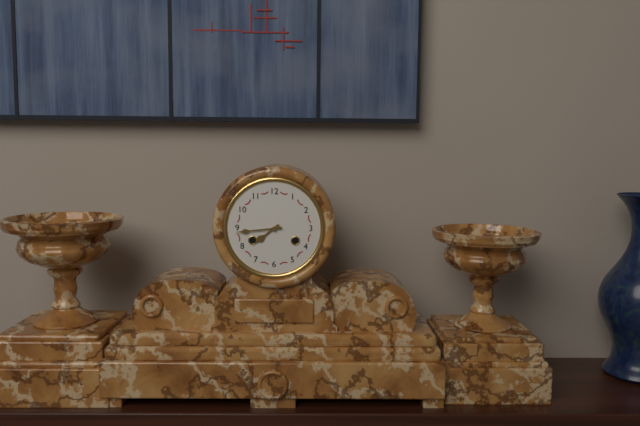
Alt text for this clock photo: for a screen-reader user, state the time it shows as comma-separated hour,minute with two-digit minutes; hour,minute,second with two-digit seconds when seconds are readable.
7,44
